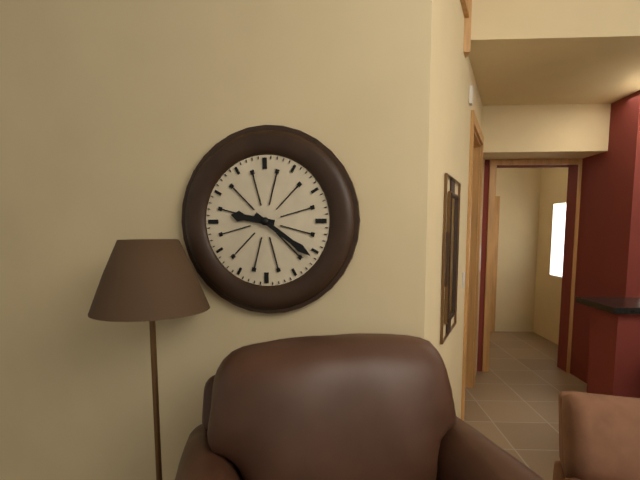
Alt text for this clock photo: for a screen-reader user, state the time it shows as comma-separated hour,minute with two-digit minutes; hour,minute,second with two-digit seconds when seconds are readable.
9,21
